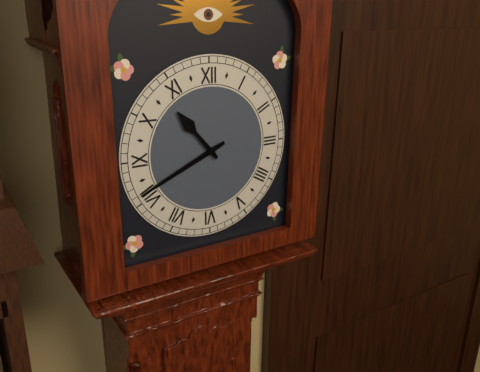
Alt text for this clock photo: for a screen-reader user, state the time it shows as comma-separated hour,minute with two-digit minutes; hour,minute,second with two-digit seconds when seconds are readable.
10,41
